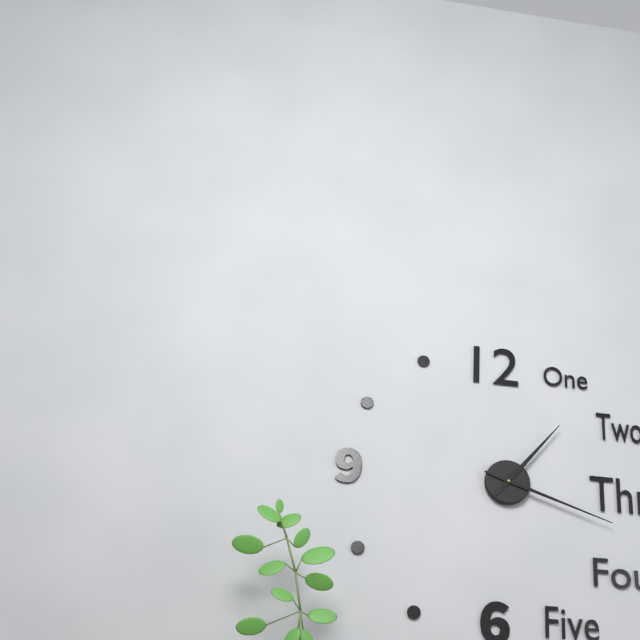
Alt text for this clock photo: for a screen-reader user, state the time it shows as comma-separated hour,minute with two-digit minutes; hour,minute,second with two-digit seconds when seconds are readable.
1,18
